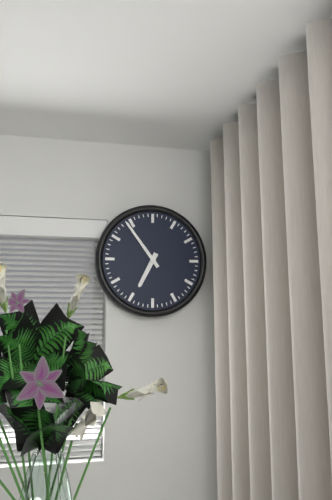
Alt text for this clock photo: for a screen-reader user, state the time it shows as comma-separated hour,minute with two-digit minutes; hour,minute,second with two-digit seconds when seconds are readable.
6,54
